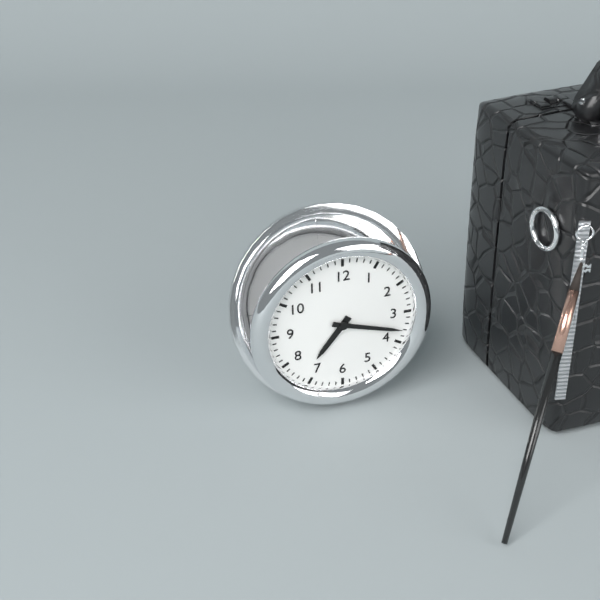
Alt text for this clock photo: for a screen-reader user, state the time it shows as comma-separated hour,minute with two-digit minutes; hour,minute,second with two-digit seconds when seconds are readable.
7,18
